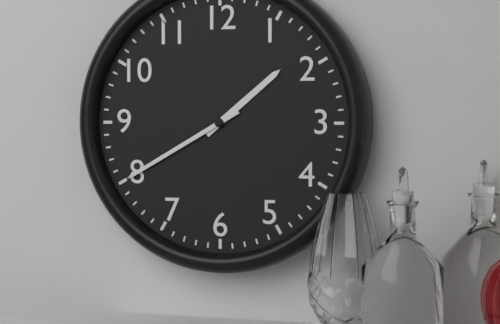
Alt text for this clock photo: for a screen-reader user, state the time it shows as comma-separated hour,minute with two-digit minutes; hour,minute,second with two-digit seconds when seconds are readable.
1,40
